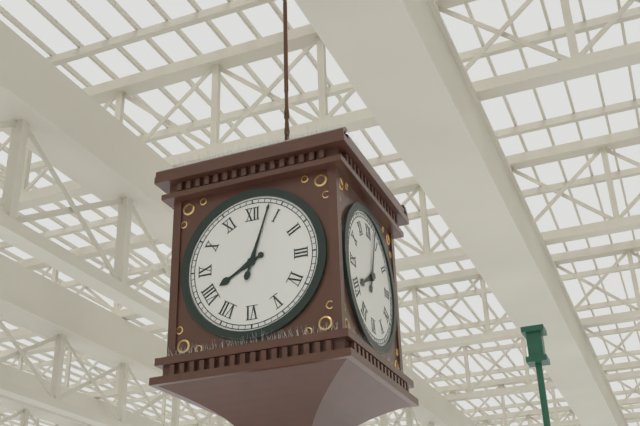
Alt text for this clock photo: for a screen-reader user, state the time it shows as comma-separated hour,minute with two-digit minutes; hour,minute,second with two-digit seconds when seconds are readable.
8,03
